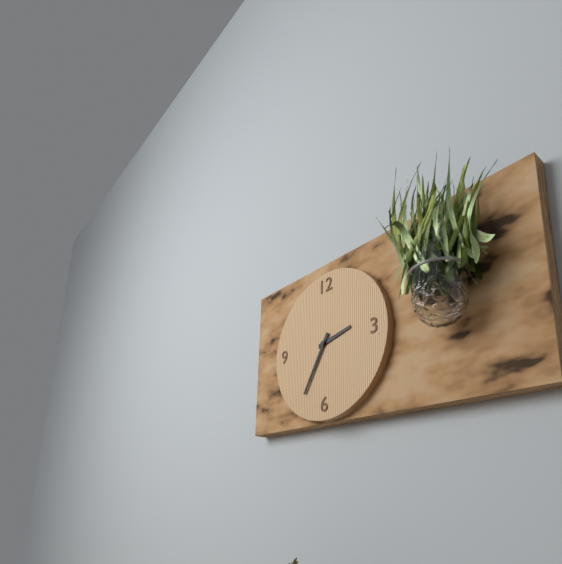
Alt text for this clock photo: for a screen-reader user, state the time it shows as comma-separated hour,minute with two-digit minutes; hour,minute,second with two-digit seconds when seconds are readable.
2,35
